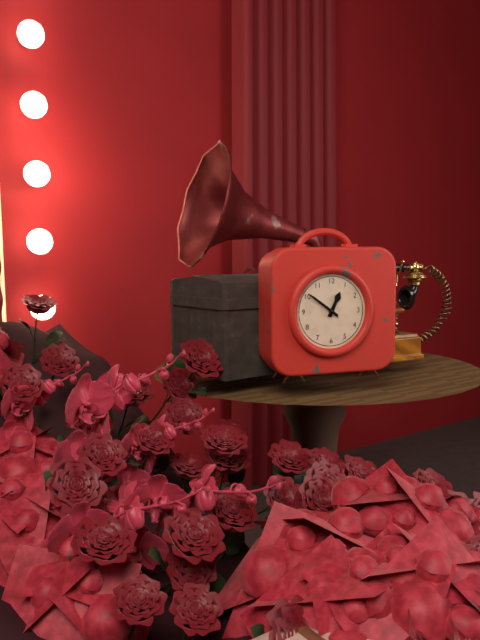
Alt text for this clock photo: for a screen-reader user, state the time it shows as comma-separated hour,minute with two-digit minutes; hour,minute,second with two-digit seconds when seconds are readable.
12,51
